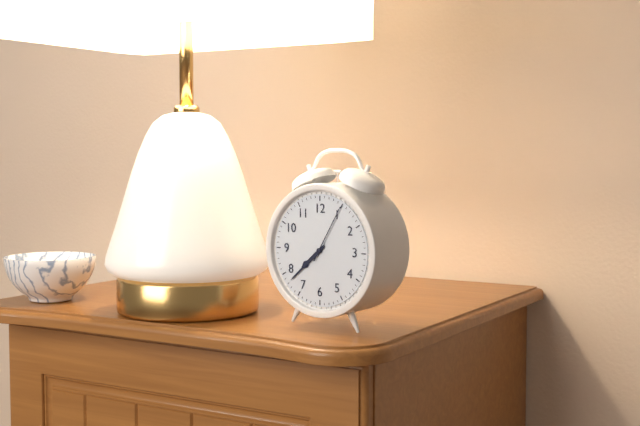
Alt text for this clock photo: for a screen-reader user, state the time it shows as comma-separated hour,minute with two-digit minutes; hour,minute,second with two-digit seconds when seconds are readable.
7,38,05
